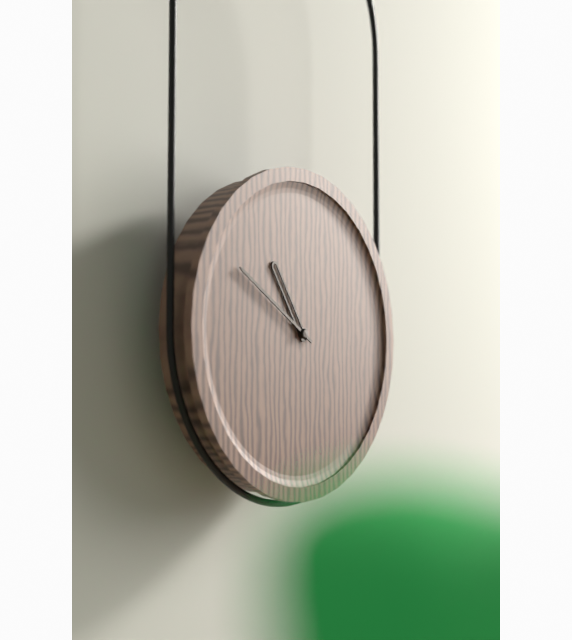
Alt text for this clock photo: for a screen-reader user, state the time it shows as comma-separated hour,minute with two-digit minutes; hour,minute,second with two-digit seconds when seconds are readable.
10,50
